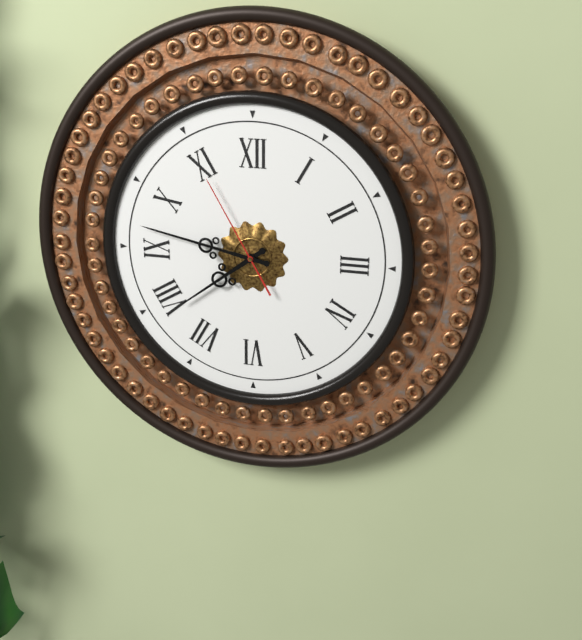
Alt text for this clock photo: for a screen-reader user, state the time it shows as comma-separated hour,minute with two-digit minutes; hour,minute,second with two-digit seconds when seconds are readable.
7,47,55
